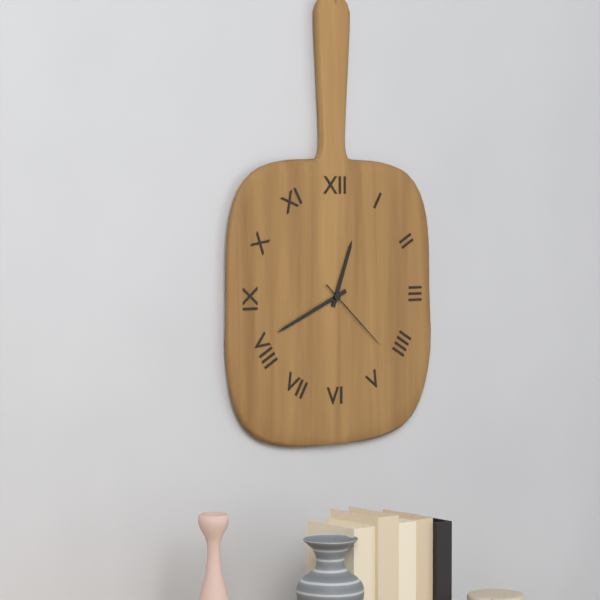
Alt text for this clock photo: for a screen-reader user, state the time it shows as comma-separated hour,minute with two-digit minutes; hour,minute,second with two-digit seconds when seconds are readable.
12,41,22
